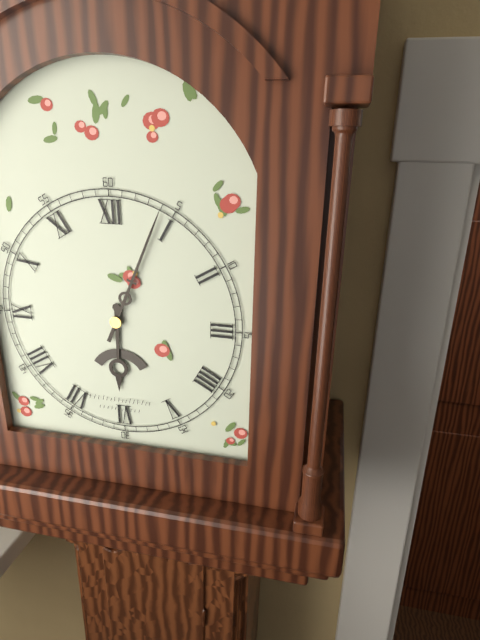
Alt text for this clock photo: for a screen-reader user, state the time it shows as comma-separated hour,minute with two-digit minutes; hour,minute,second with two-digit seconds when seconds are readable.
6,04
